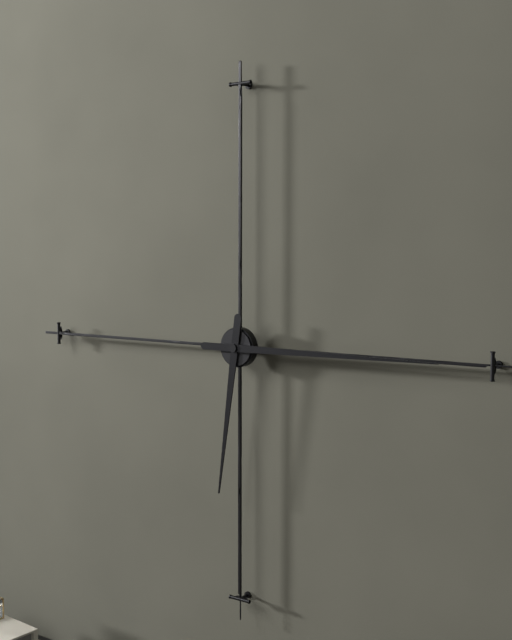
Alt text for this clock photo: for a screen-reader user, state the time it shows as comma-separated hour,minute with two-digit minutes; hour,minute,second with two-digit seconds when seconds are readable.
6,15
